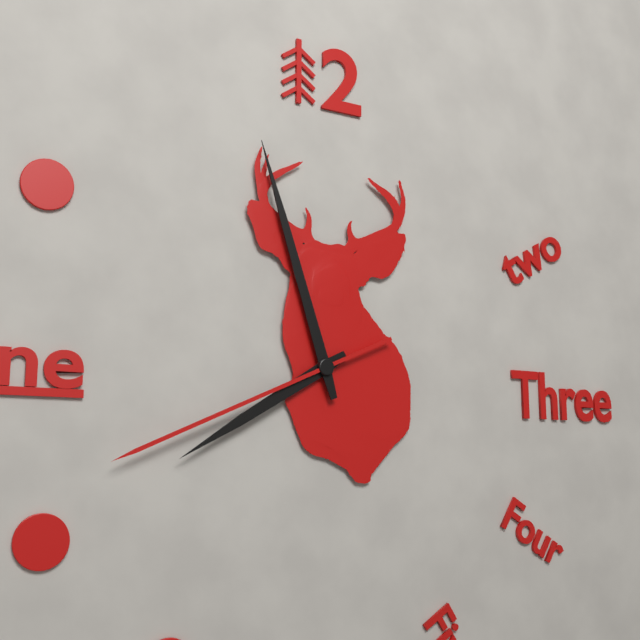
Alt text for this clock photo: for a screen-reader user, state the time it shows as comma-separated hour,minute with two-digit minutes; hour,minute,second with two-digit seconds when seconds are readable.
7,57,41
